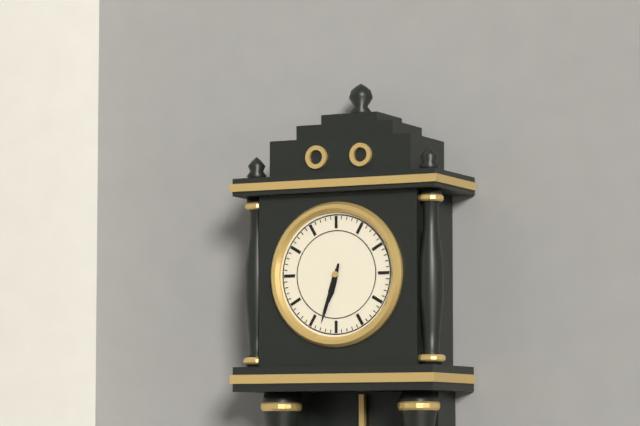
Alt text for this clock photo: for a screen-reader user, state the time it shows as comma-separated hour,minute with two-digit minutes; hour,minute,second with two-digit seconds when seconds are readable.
6,33
